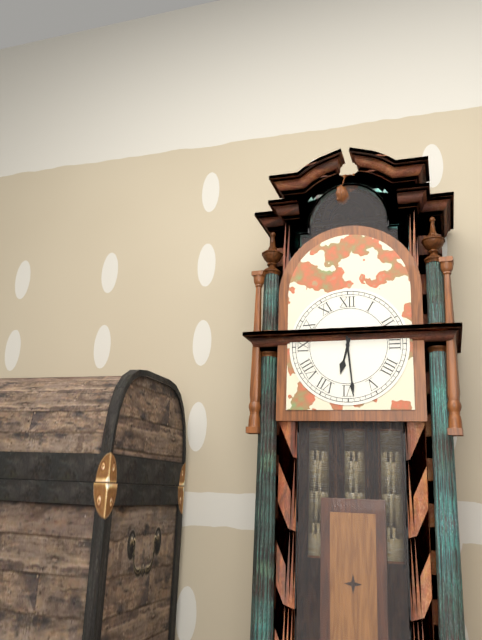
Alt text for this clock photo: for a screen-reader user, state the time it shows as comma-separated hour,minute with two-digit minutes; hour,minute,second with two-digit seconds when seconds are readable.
6,29
